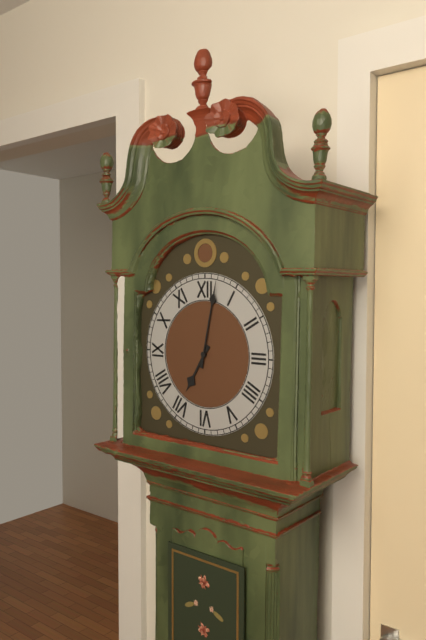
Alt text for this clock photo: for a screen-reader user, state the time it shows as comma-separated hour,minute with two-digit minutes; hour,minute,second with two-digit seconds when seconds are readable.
7,02
